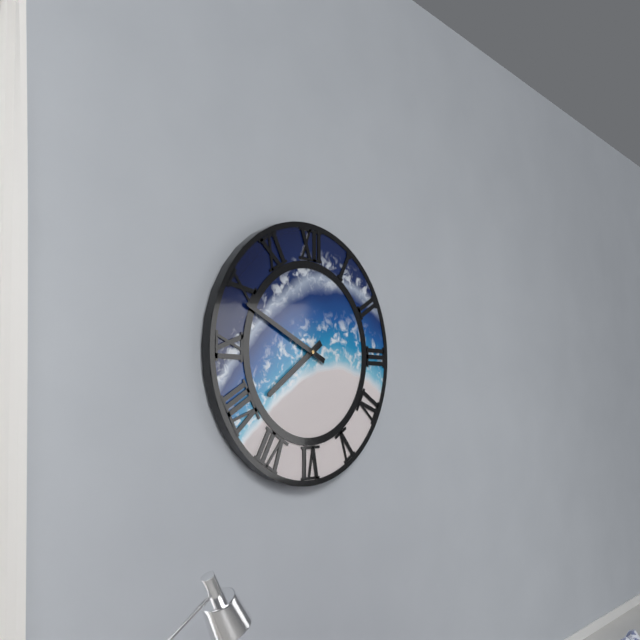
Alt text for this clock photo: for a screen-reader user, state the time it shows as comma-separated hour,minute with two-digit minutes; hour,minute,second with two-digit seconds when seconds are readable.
7,49
